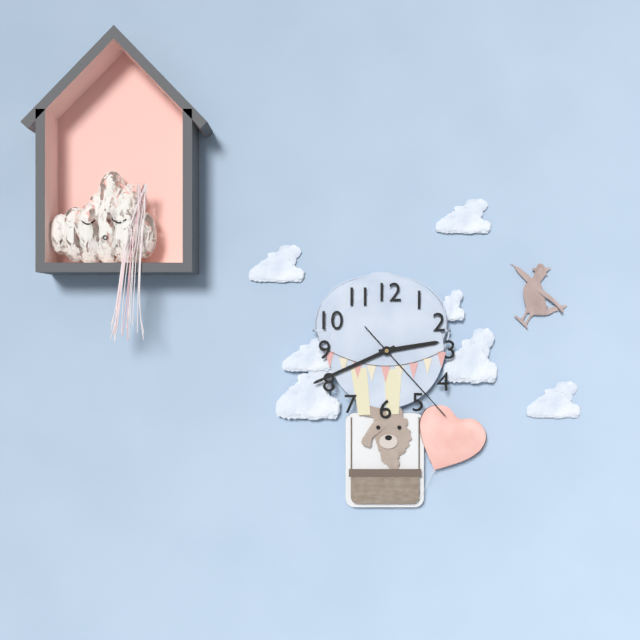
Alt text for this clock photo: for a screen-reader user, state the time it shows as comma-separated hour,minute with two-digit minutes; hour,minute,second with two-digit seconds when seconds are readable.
2,41,23
